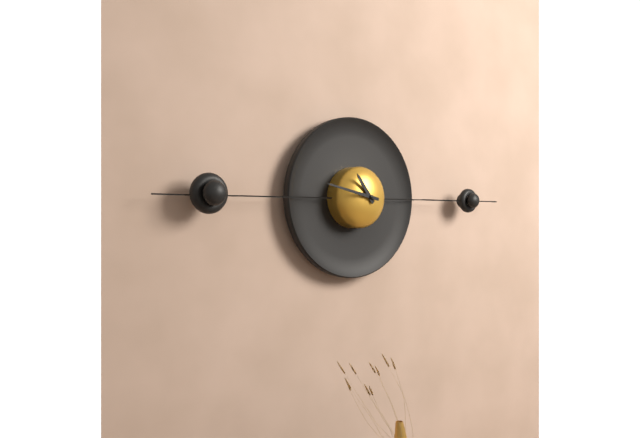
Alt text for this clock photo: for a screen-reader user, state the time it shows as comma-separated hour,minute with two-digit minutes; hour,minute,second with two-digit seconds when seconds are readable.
10,47
